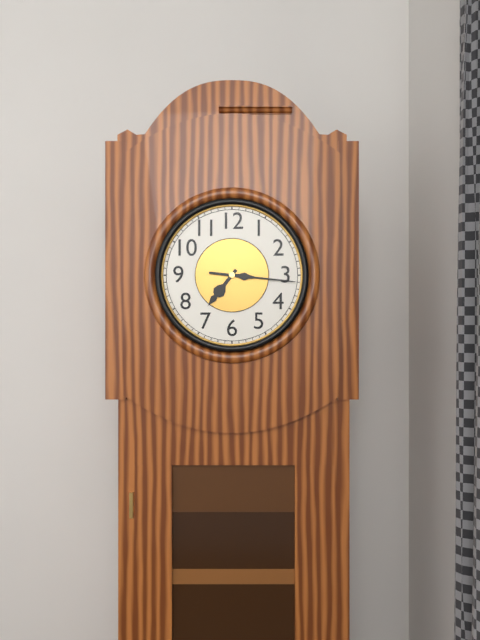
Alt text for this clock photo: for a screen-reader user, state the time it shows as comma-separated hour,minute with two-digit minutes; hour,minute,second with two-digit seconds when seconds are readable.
7,16
